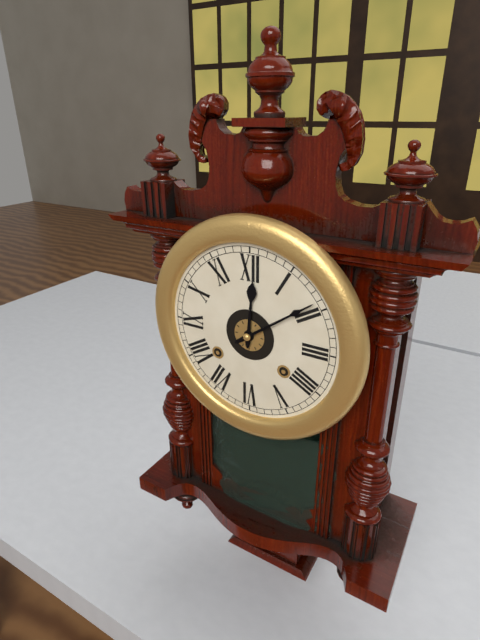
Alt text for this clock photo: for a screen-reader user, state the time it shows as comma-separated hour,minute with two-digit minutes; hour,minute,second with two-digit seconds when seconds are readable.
12,09
